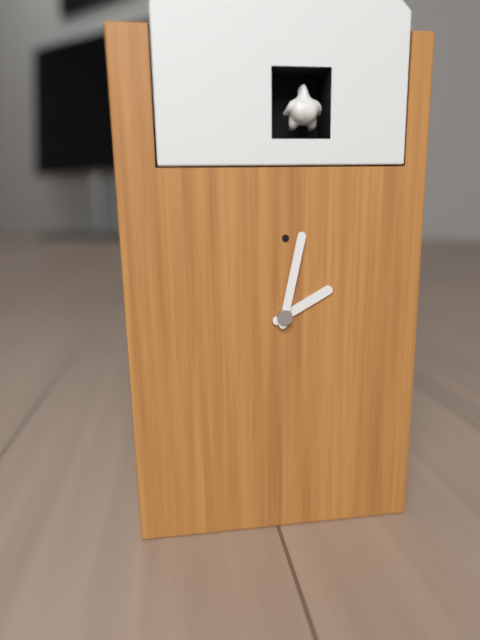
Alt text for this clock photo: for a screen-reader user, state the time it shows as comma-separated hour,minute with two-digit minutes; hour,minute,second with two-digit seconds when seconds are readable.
2,02
